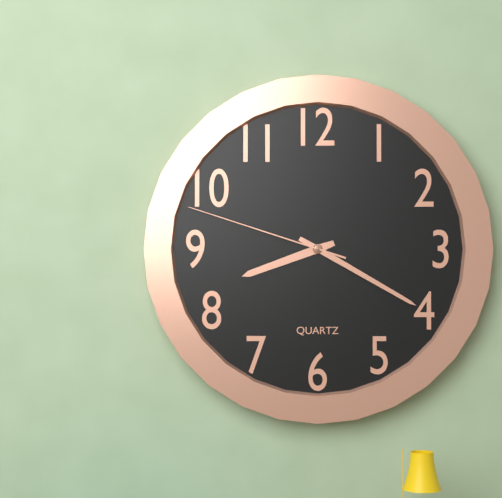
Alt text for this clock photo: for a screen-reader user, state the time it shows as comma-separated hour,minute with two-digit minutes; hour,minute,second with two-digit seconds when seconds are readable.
8,20,48
